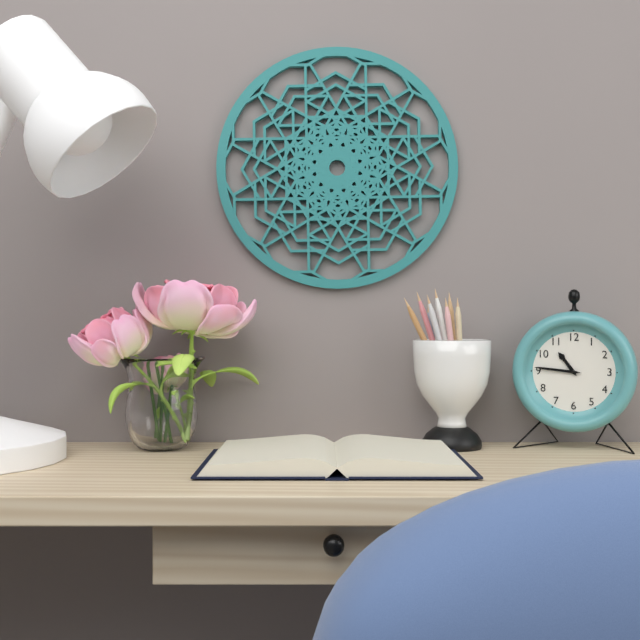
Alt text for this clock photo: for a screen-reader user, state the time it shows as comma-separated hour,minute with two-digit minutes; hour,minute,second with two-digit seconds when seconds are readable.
10,46
